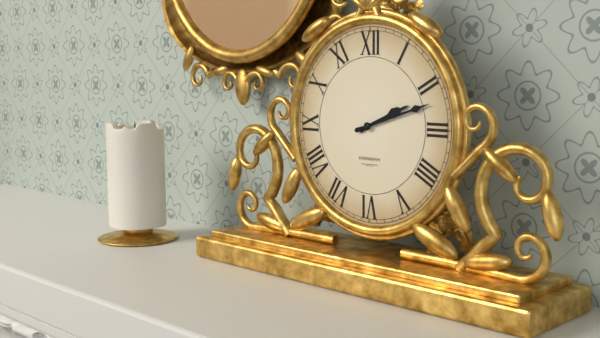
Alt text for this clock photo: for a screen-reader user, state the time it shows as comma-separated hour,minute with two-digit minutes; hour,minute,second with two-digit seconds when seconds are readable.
2,12
